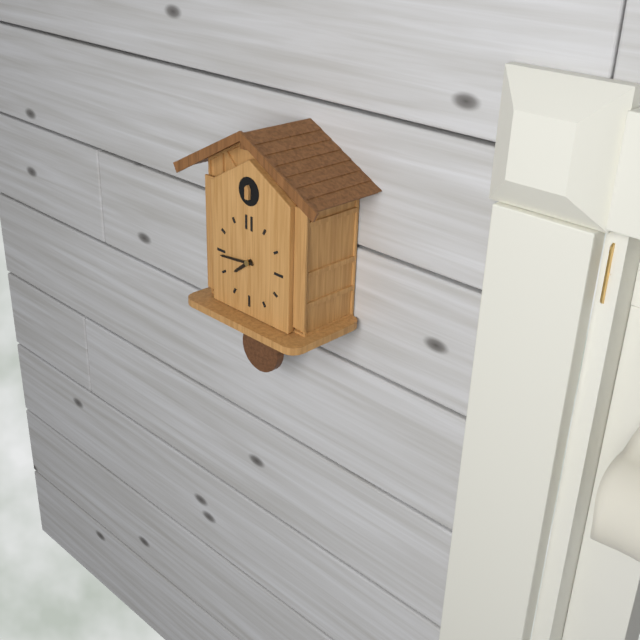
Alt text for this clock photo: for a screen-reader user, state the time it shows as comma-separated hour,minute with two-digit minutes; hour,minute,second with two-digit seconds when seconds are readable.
7,44
